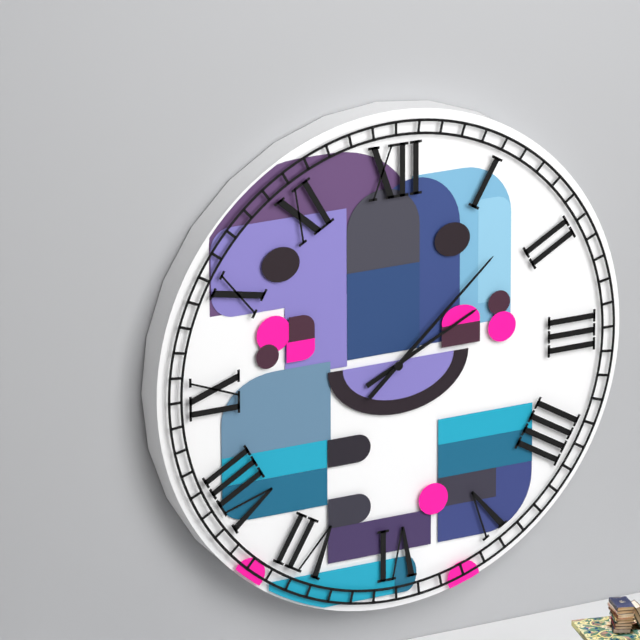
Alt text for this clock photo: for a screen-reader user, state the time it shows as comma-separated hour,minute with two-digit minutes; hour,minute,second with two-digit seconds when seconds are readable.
2,08
